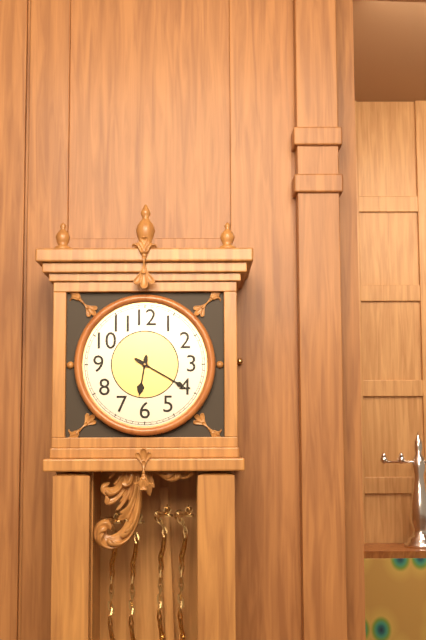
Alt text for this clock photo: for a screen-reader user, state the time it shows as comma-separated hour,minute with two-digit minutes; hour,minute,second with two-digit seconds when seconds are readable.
6,20
